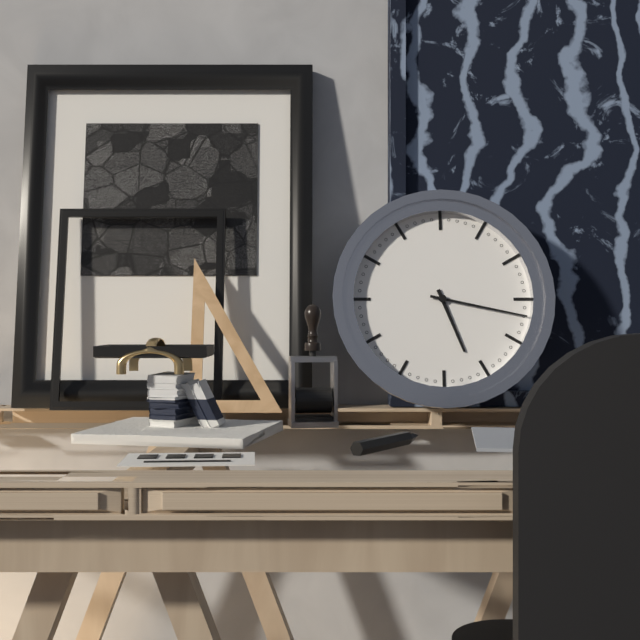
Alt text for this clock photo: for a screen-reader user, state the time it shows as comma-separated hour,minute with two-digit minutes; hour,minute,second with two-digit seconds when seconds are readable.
5,17
